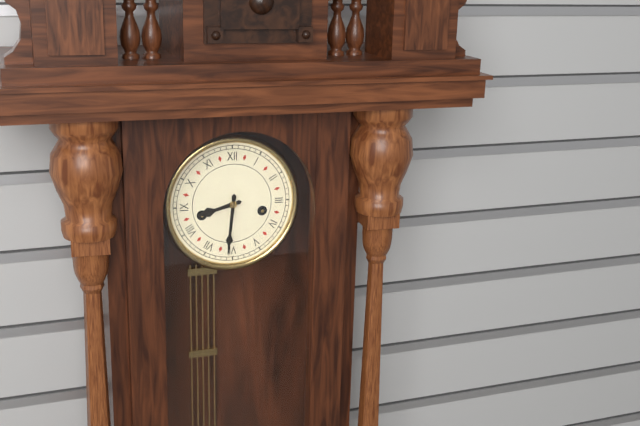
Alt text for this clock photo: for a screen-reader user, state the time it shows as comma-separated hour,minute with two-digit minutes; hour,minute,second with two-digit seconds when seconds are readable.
8,31
